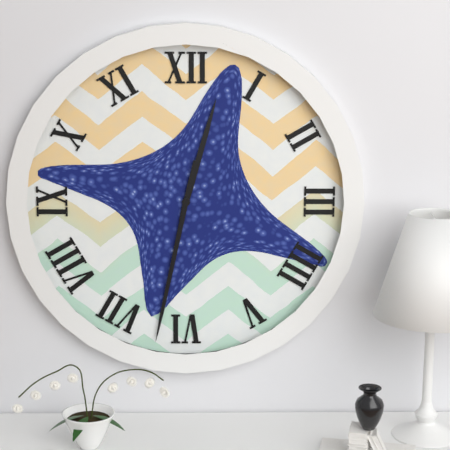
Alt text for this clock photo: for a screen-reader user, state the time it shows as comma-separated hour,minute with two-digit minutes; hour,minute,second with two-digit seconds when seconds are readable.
12,32
